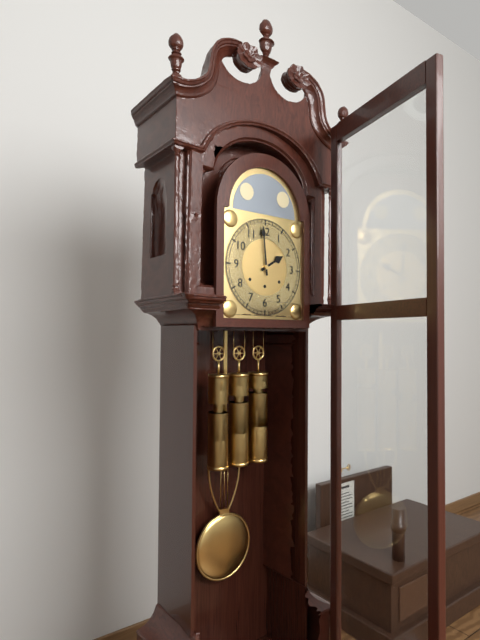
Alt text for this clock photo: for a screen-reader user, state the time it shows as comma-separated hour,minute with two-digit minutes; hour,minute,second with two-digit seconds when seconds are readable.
1,59
